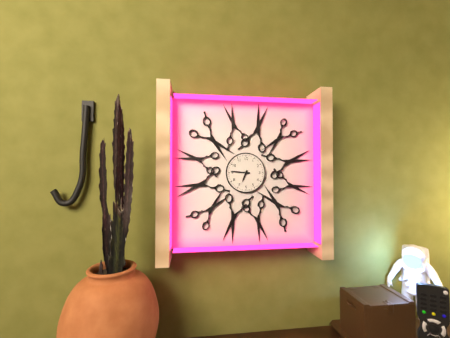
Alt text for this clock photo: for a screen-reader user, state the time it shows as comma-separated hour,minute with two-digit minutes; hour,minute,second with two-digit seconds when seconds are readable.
6,46
